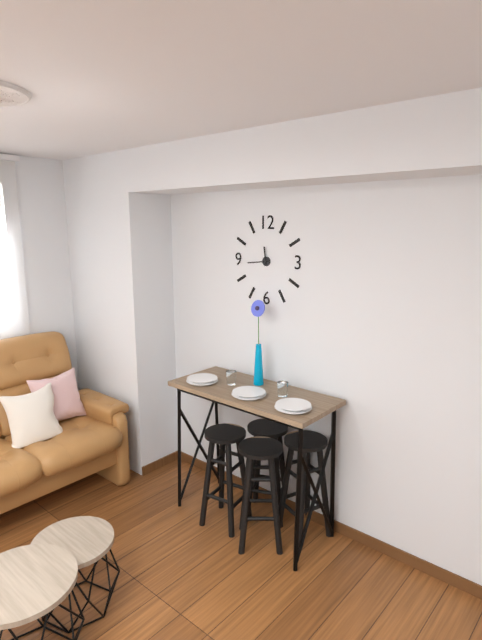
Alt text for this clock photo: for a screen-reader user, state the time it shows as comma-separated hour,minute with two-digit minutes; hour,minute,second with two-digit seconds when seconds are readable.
11,44
